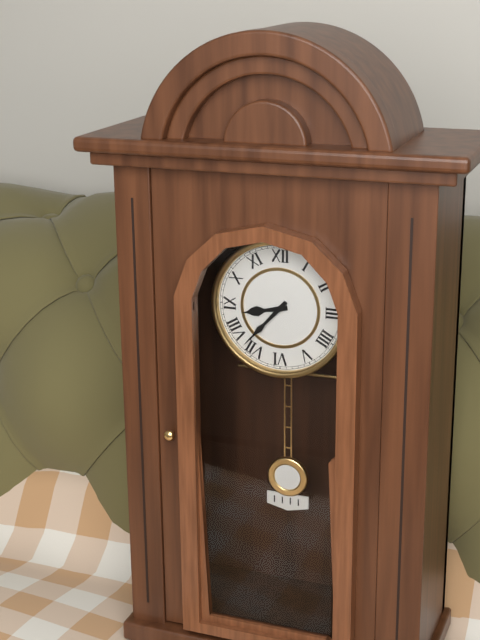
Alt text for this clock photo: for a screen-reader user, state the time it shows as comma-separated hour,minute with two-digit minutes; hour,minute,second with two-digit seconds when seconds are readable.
8,37
